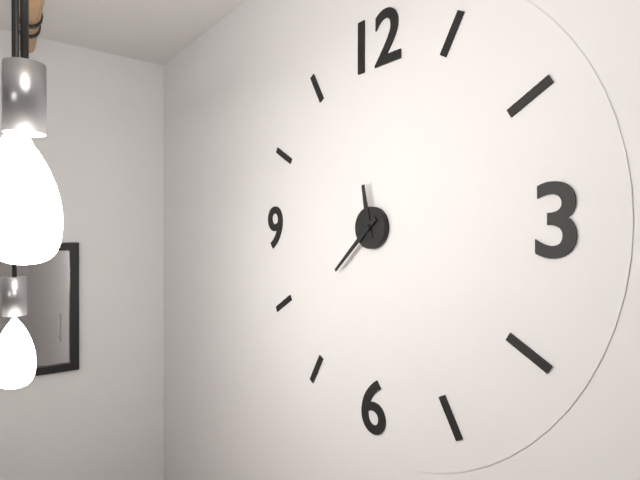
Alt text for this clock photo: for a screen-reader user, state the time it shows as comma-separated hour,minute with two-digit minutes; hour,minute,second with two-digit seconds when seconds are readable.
11,38
